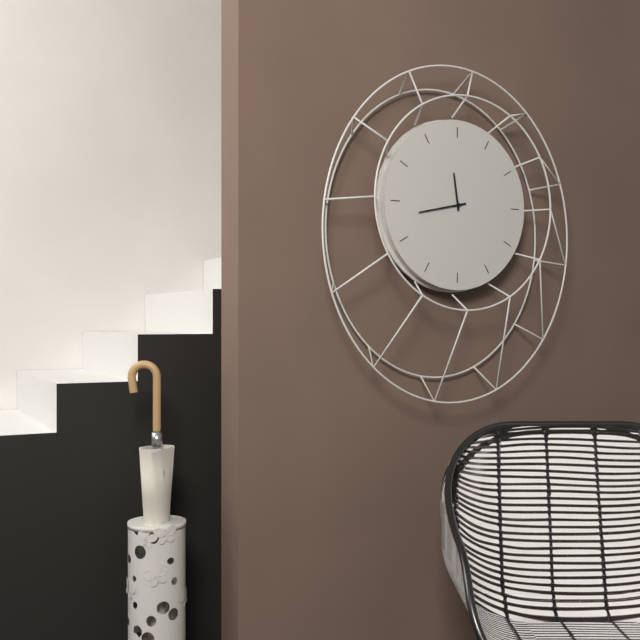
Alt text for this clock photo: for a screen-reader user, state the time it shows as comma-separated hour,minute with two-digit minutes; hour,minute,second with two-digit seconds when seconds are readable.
11,43
